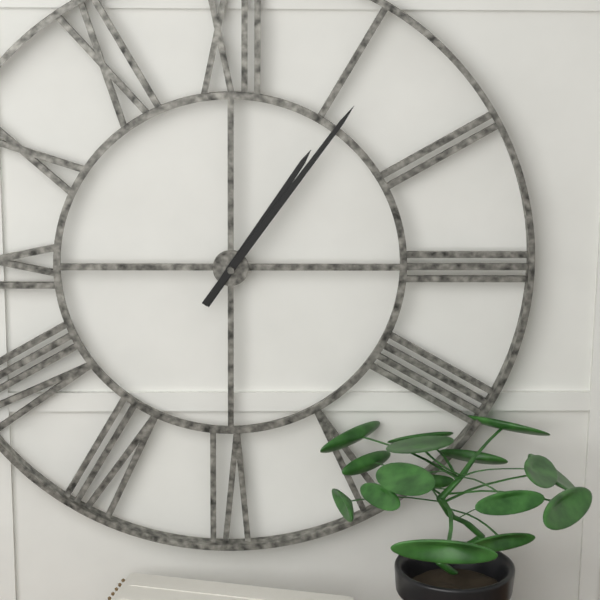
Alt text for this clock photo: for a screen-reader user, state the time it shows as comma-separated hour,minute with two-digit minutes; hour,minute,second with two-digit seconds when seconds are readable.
1,06
